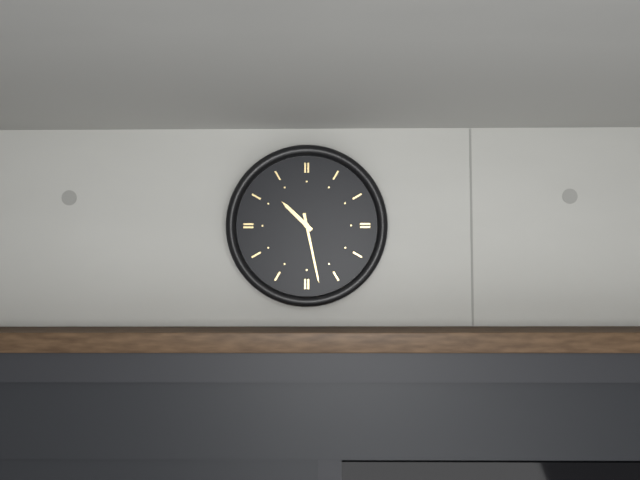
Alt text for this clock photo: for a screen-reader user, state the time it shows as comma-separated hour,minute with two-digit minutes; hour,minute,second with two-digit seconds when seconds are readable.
10,28
